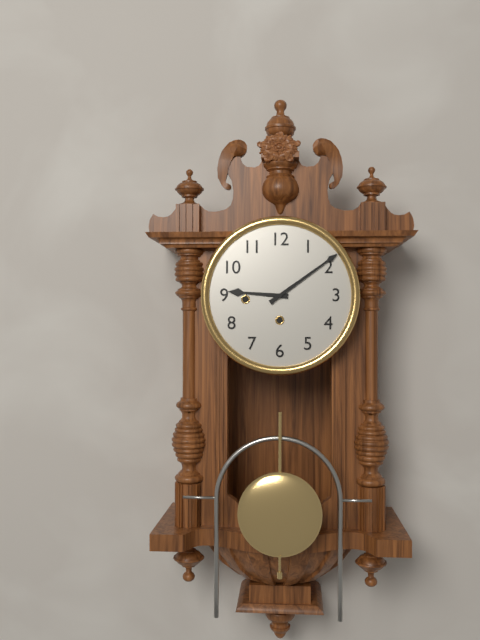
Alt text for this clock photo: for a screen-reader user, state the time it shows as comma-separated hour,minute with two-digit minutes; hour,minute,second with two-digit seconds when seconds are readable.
9,09
